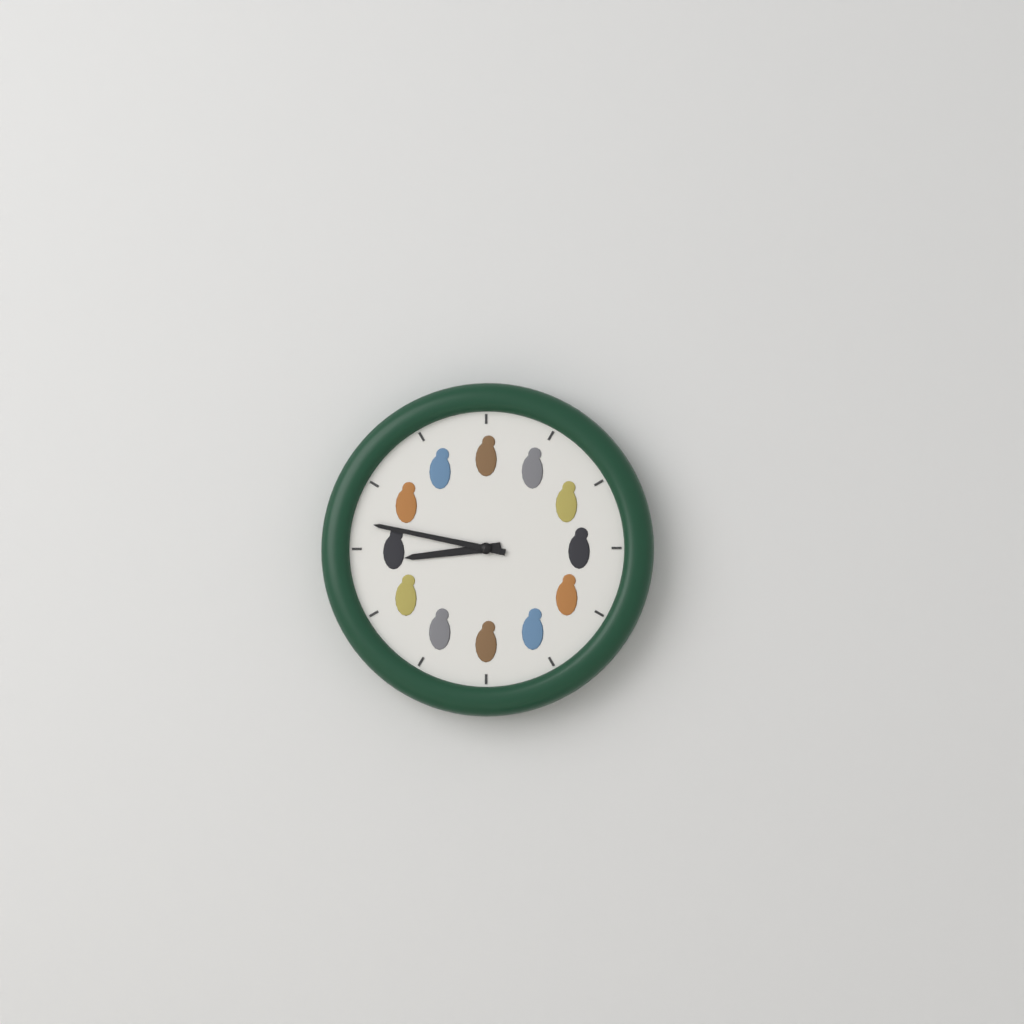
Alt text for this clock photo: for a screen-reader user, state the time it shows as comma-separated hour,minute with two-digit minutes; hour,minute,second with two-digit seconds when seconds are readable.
8,47
